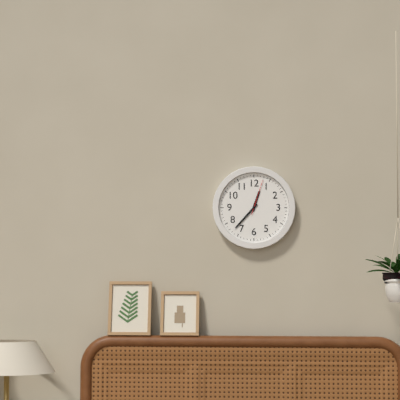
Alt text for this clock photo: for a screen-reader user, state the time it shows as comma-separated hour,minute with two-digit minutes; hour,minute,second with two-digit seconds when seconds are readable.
12,37
